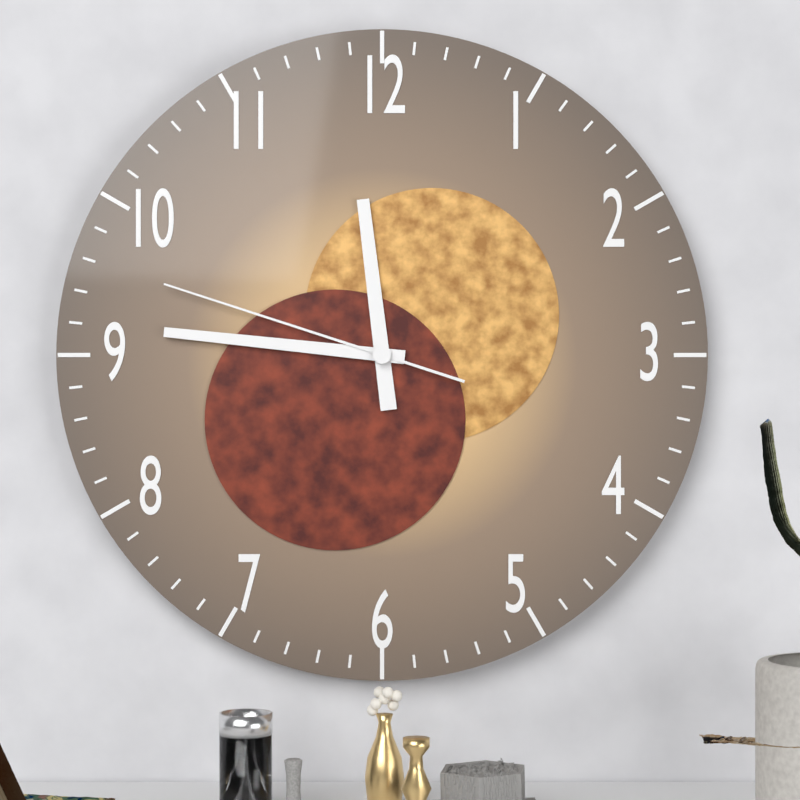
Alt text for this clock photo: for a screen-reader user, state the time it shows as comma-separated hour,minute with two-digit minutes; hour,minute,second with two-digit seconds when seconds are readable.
11,46,48
